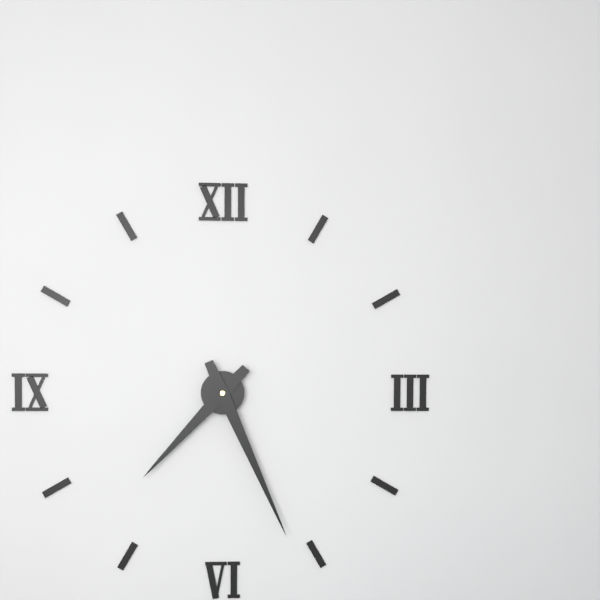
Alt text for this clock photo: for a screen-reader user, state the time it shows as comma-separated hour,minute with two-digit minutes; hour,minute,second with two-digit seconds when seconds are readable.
7,26
